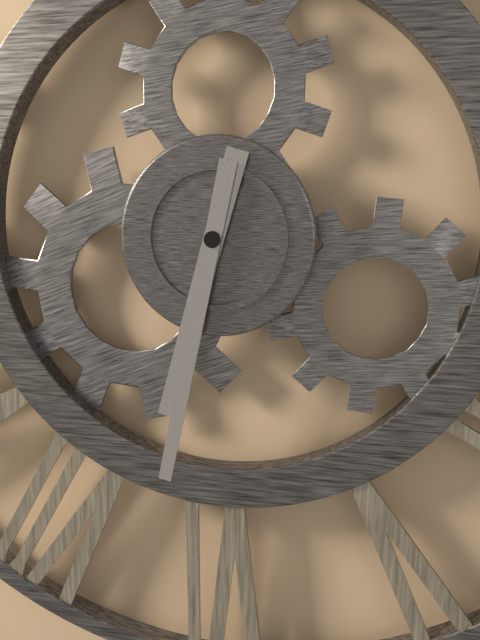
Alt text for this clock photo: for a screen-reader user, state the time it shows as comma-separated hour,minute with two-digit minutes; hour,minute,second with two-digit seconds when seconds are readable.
6,32
